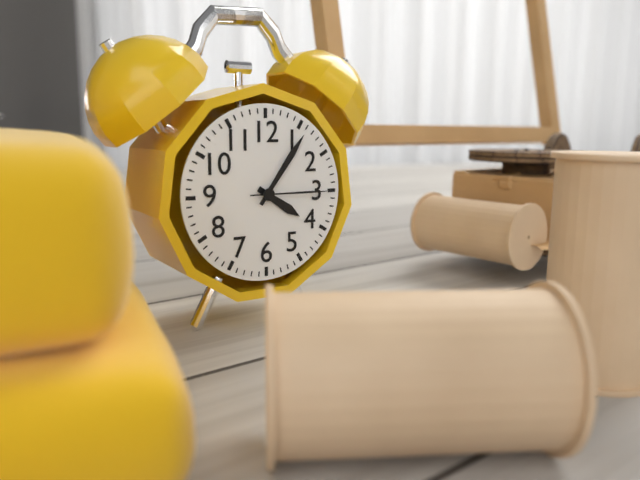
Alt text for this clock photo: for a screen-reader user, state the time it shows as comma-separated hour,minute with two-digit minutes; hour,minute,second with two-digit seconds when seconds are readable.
4,06,15
